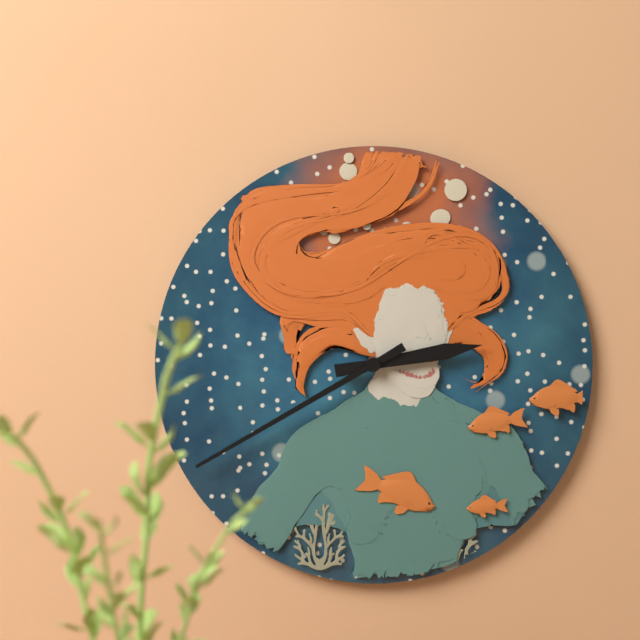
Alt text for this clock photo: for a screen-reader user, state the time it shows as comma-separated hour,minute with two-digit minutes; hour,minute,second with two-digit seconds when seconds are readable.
2,40
